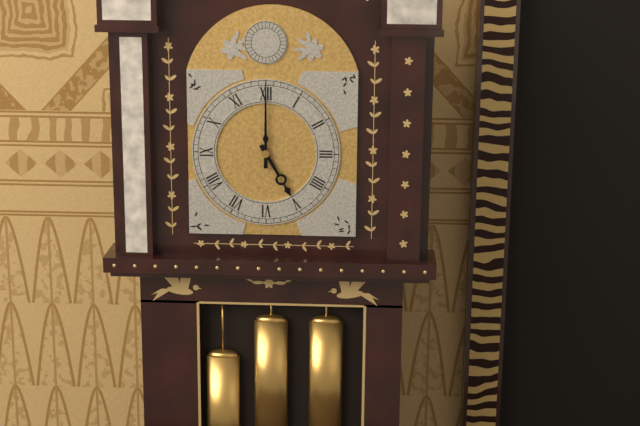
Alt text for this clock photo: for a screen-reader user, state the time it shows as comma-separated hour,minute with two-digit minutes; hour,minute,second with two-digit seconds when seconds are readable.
5,00
